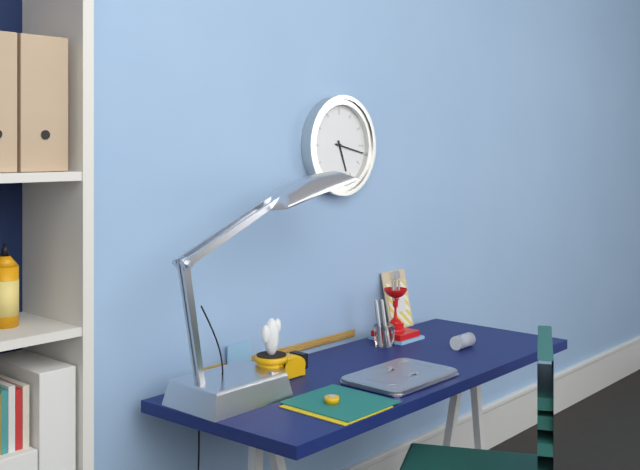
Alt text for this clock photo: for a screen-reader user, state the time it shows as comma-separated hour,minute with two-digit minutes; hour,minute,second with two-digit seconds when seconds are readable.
5,17
